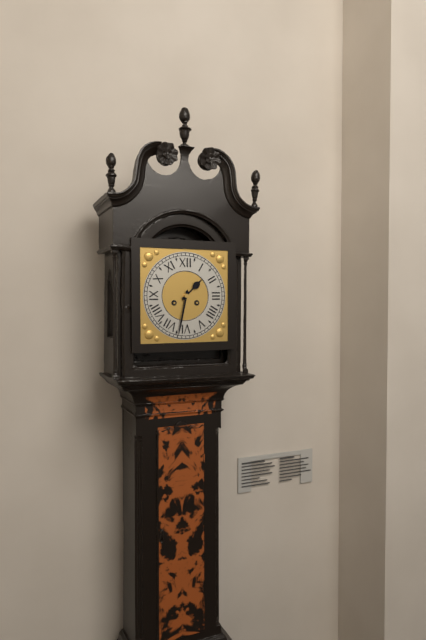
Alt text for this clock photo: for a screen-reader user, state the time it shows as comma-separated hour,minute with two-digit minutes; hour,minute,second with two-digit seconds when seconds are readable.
1,32
